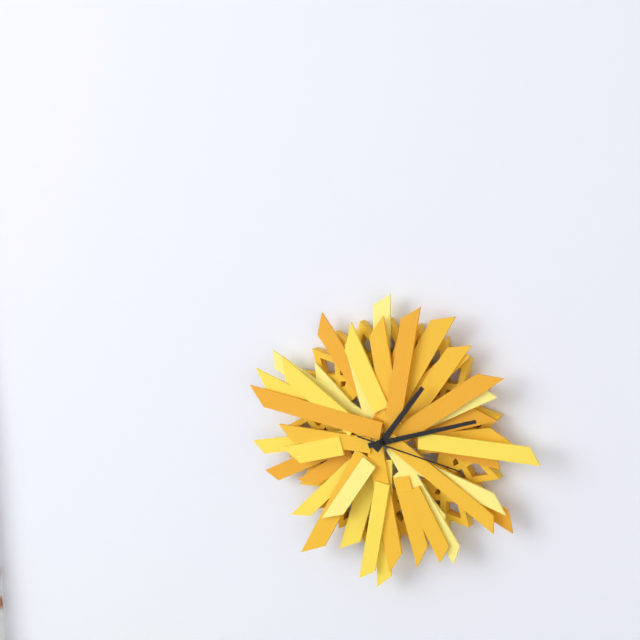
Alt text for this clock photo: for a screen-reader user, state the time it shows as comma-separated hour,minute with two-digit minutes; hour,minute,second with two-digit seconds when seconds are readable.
1,12,17
